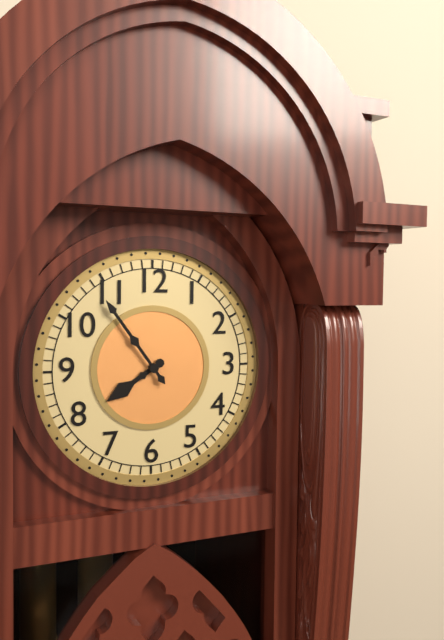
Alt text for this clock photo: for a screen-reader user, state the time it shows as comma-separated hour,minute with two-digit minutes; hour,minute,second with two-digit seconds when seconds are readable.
7,54
